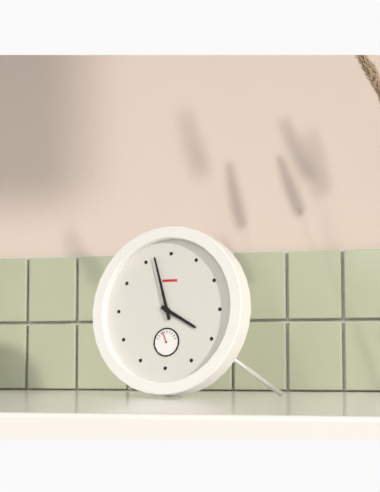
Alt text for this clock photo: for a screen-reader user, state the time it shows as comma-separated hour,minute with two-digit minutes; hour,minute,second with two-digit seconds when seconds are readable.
3,57
